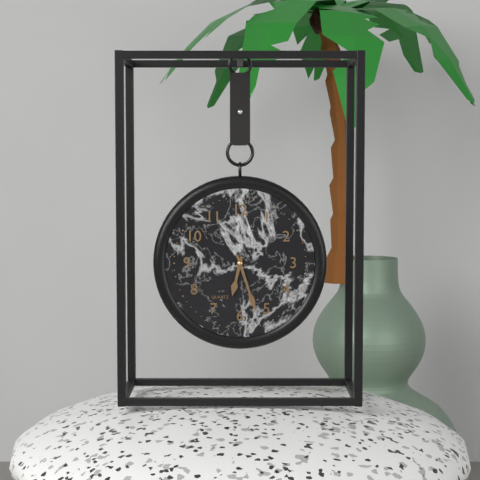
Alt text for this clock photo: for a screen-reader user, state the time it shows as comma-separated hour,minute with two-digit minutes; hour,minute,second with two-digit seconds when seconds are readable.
6,27
